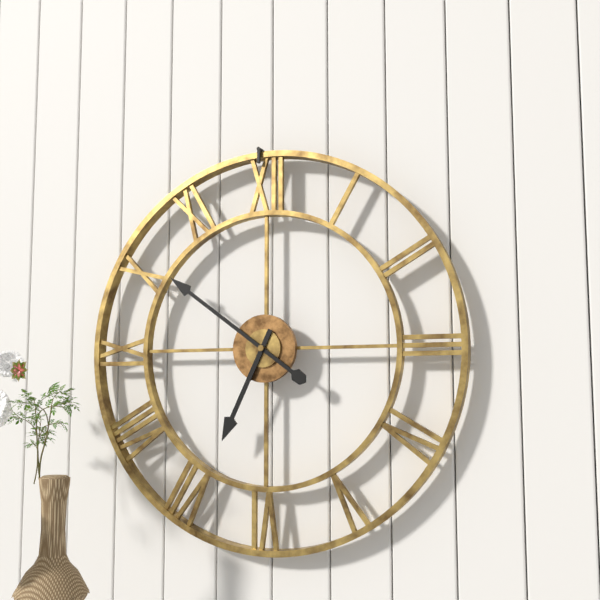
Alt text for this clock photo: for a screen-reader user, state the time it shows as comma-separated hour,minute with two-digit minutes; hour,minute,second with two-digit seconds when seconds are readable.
6,51
